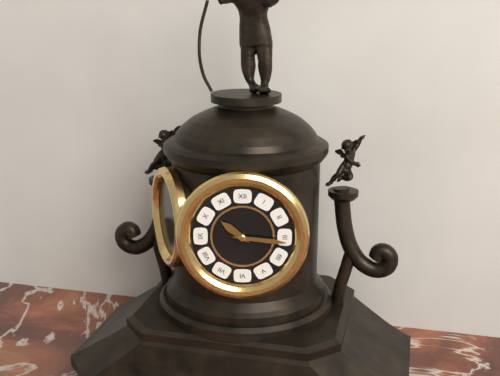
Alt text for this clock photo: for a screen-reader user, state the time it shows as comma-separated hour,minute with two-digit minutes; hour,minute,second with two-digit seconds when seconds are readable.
10,16
